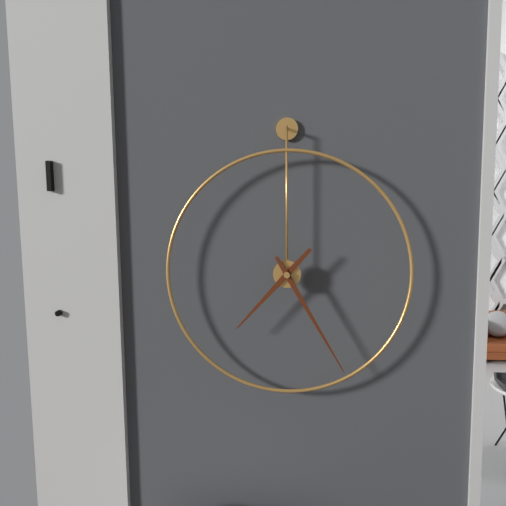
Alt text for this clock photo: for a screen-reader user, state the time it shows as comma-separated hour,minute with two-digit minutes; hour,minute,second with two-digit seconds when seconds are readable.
7,25
